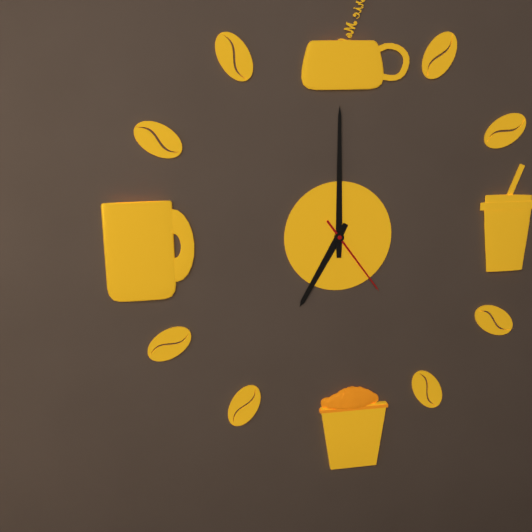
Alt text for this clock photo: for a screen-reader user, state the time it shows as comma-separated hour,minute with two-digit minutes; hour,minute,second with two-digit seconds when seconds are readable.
7,00,24
